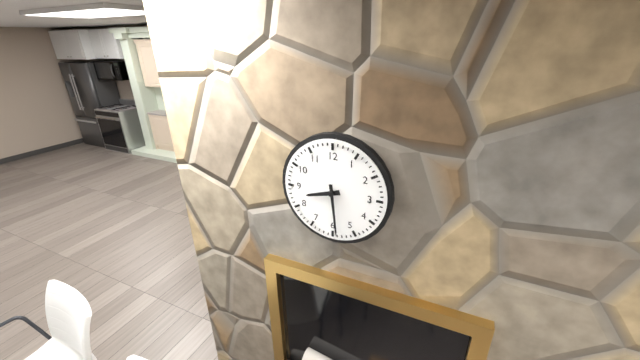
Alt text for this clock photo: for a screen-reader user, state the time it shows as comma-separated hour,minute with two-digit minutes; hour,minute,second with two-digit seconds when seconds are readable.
8,29
